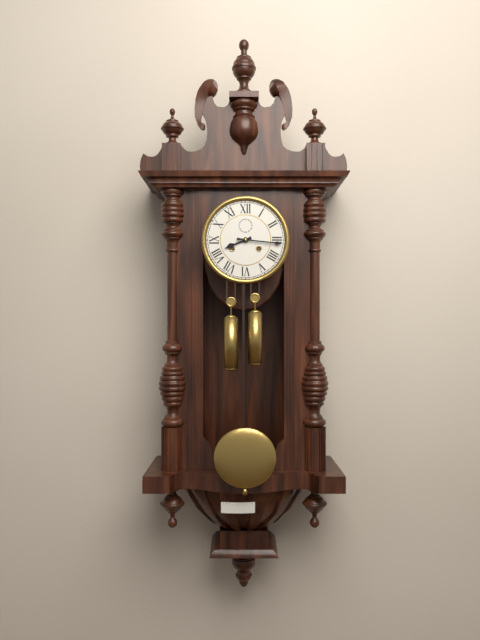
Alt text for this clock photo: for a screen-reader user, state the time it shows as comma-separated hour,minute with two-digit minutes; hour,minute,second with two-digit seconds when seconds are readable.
8,16
